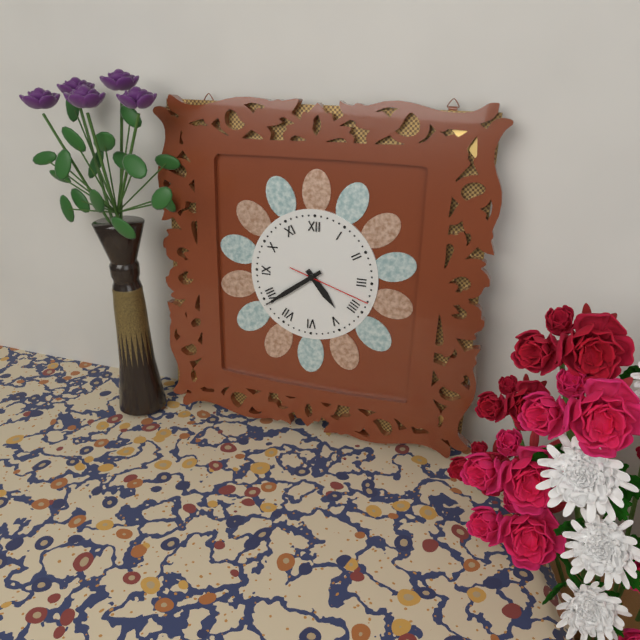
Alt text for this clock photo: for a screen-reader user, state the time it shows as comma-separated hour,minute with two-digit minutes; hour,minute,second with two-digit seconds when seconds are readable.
4,39,18
